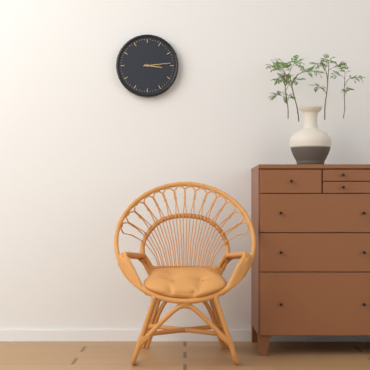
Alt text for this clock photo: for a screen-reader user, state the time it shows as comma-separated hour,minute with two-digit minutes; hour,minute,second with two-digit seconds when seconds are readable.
3,14
